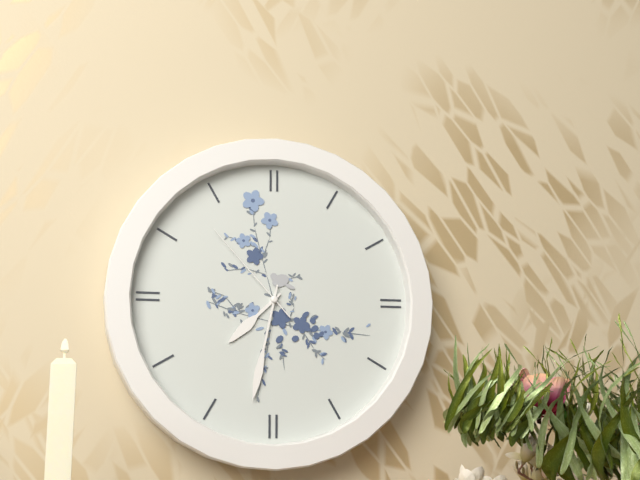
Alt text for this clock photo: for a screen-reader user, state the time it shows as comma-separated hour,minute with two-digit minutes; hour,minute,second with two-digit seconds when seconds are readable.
7,32,53
